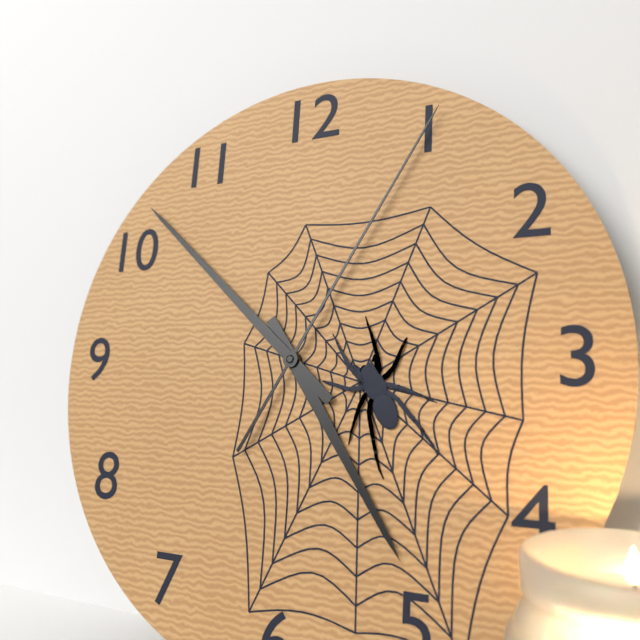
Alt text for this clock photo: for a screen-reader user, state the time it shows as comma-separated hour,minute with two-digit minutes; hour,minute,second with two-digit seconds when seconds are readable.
4,52,05
